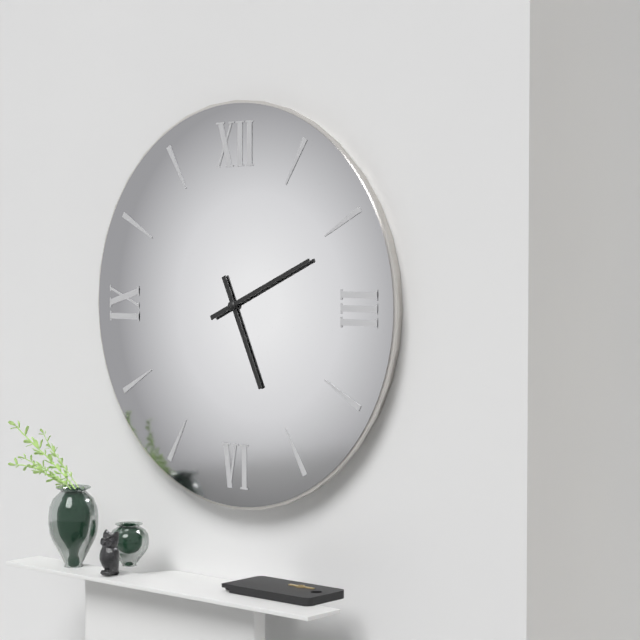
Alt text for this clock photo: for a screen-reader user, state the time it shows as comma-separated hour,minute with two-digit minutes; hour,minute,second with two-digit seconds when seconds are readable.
5,11
